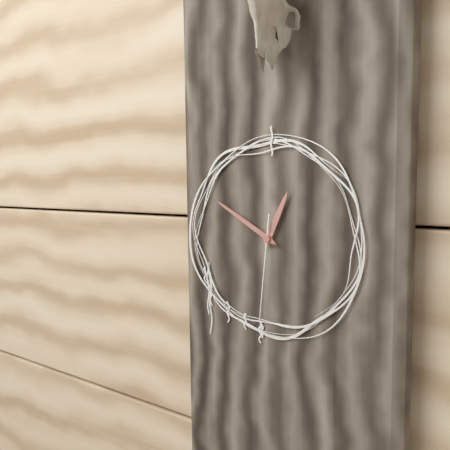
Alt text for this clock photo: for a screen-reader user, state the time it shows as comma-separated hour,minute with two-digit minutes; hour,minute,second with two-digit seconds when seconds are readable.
12,50,31
